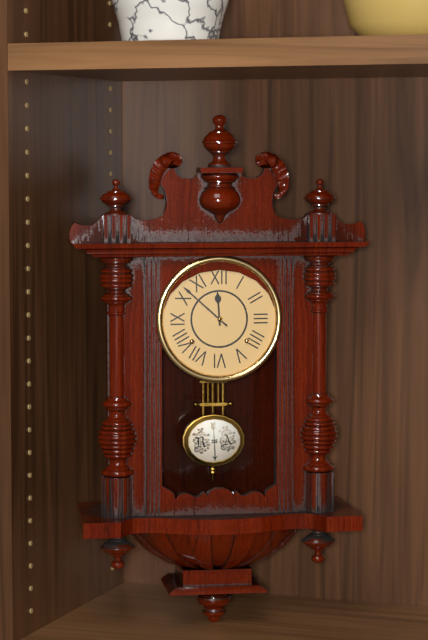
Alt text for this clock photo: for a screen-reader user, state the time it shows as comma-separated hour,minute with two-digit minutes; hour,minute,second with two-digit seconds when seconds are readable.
11,52
